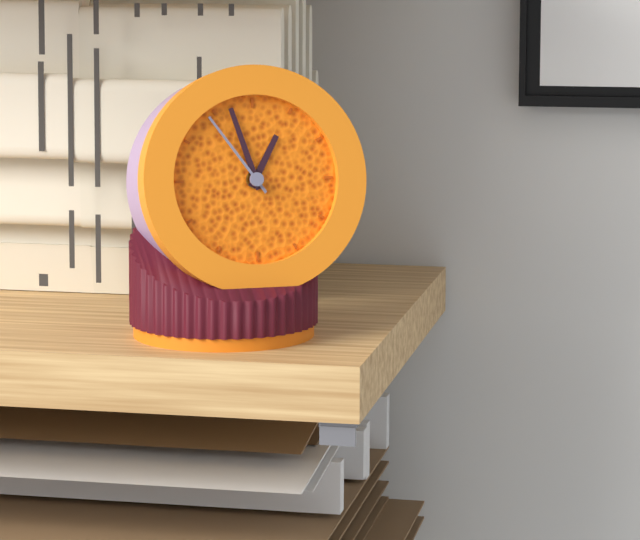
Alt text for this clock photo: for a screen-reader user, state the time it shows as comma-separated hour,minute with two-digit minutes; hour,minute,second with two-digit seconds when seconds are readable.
12,57,54
